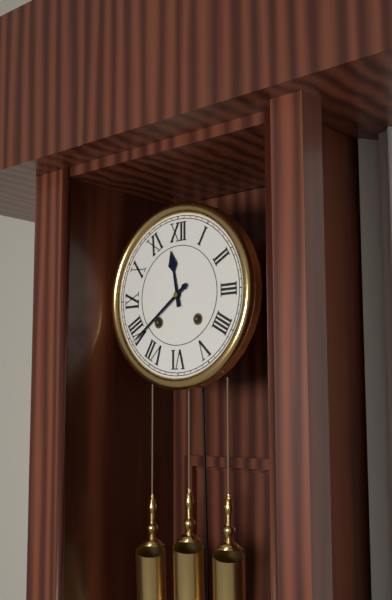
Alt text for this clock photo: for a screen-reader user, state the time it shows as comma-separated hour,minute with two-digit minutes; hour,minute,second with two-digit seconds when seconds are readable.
11,39
